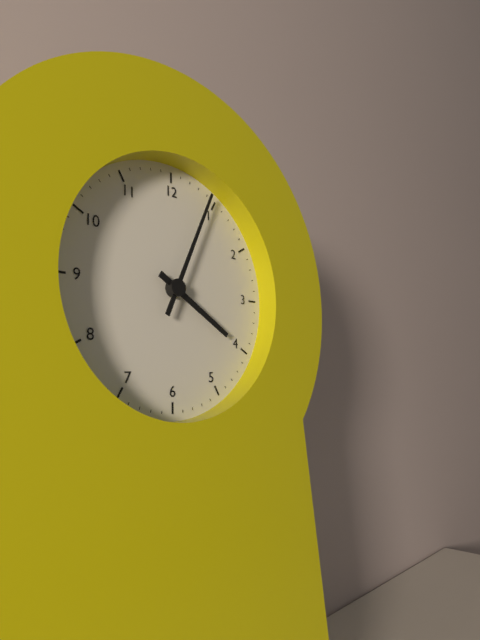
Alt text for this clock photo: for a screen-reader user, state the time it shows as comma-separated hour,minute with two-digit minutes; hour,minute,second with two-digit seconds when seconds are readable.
4,04
